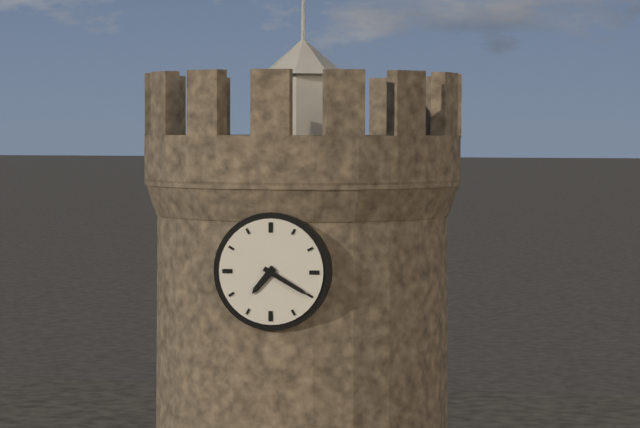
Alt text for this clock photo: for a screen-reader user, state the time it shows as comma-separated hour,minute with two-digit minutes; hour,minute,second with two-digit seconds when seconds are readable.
7,20
